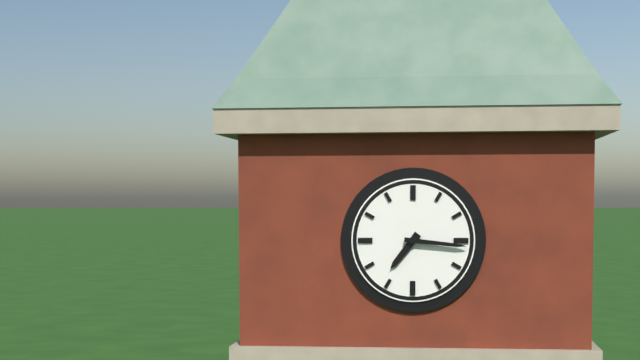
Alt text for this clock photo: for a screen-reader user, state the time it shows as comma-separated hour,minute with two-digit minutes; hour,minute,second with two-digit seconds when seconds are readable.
7,16
